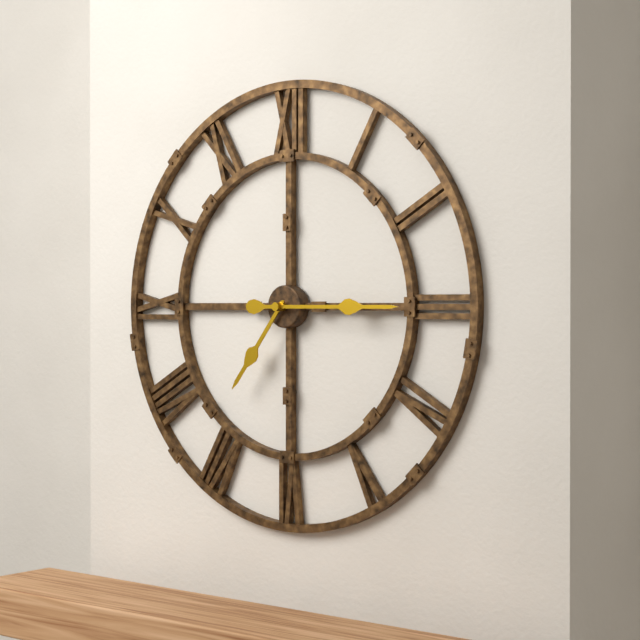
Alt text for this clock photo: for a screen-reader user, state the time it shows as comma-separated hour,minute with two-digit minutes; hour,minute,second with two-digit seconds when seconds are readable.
7,15
